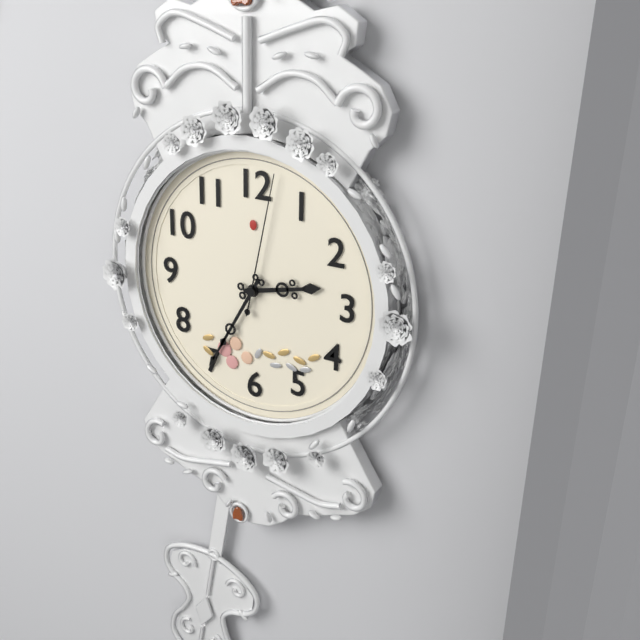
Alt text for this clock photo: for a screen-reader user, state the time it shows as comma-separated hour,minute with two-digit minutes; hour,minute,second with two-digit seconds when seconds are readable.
2,35,02
